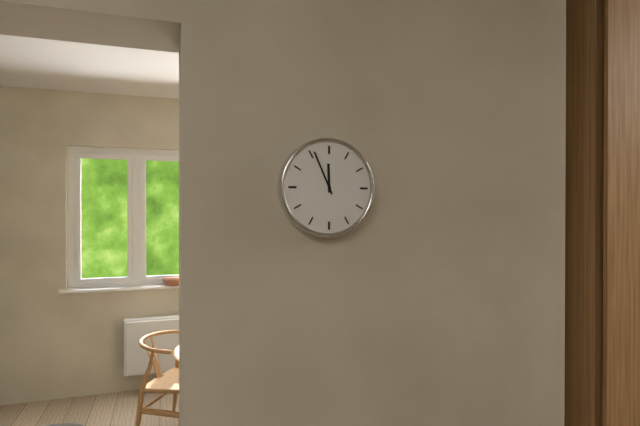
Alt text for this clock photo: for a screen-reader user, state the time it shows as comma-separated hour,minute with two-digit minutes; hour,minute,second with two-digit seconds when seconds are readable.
11,56
